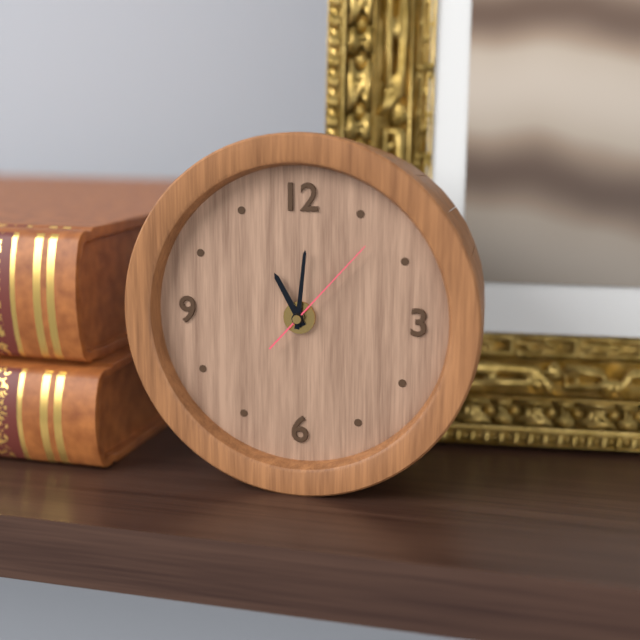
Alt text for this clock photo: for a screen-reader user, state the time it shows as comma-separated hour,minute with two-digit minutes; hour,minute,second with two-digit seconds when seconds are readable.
11,01,07
